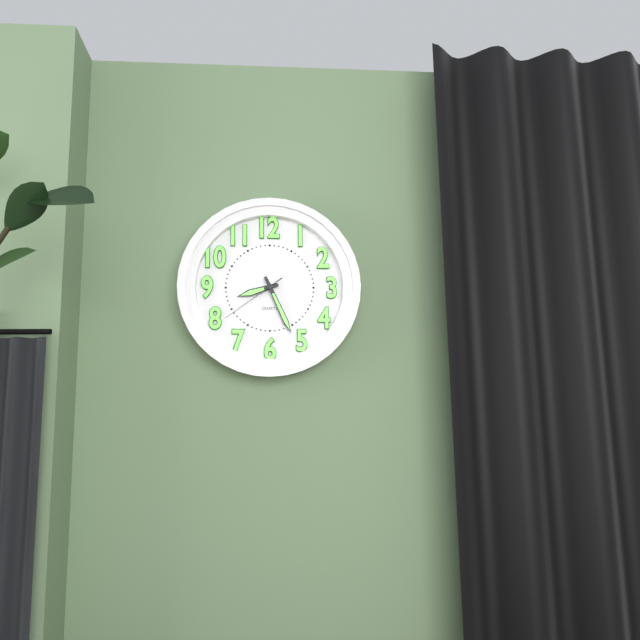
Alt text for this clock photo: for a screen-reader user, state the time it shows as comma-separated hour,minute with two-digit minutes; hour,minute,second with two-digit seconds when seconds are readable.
8,26,39
